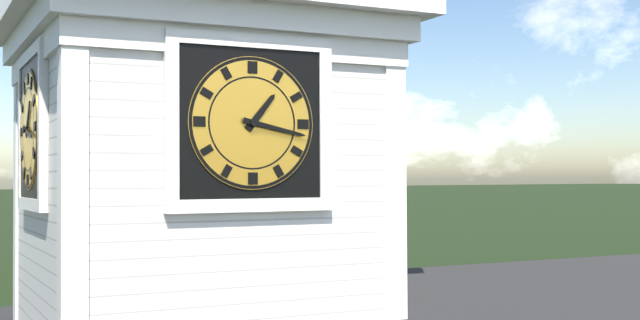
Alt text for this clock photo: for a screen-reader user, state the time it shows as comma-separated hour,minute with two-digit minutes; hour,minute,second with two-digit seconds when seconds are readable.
1,17
